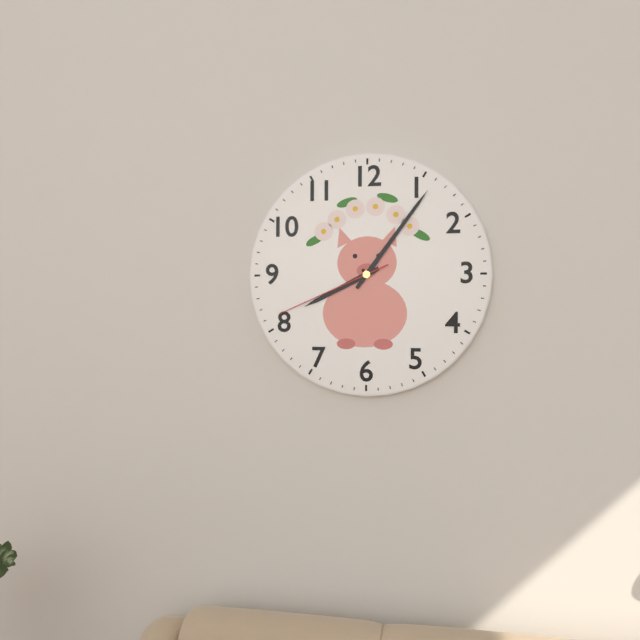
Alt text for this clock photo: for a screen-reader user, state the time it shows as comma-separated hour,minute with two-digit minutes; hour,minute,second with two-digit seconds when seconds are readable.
8,06,41
